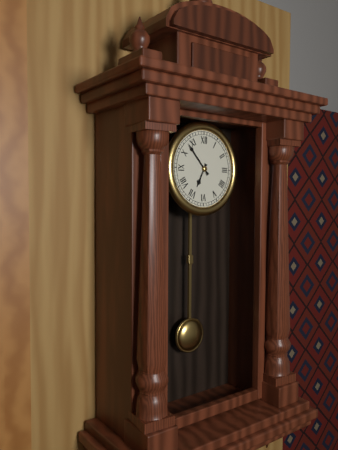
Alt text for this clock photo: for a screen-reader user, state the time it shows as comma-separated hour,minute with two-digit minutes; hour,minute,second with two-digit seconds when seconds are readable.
6,53
